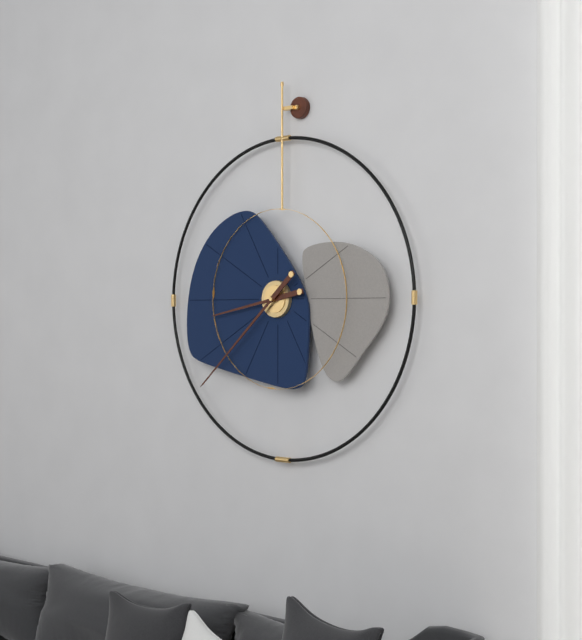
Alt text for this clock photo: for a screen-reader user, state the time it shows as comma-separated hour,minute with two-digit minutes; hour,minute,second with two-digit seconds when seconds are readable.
8,38
